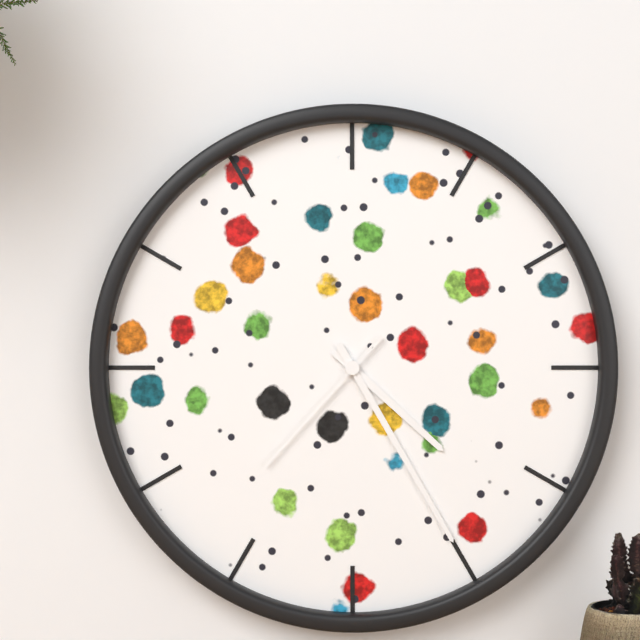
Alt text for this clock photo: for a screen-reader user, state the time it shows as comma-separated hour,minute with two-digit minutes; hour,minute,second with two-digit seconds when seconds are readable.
4,25,37
